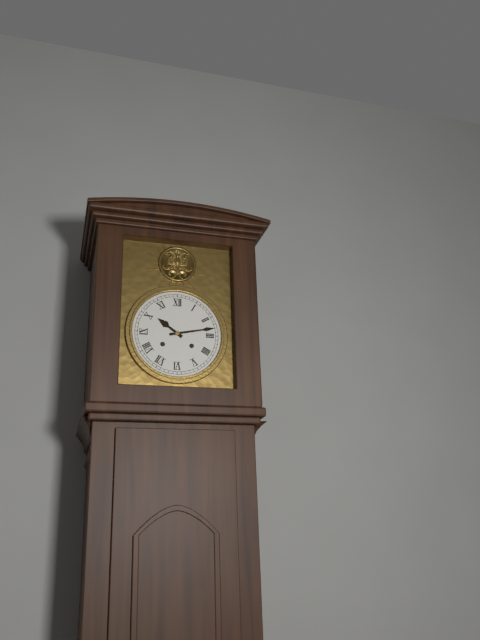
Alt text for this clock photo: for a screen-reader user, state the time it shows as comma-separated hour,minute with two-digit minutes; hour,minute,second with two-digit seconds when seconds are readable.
10,13
